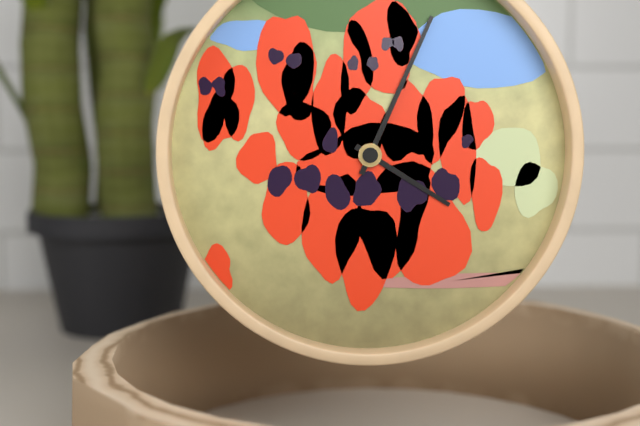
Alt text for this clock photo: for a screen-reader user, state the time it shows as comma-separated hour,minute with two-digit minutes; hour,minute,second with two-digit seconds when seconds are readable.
4,04
